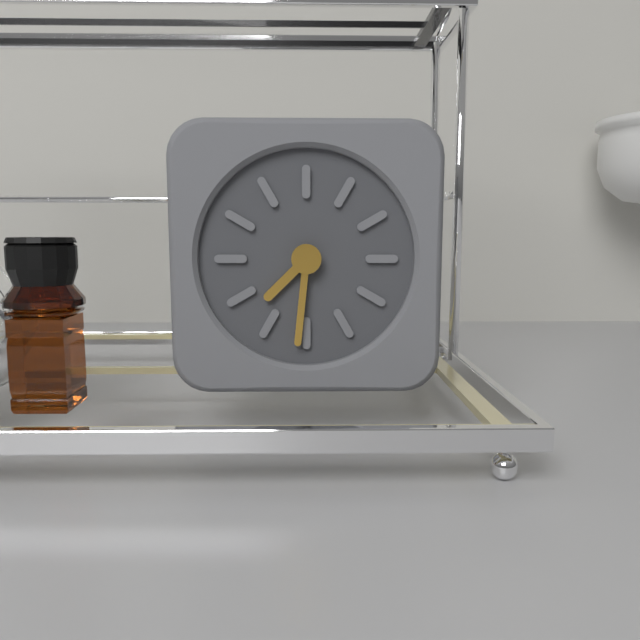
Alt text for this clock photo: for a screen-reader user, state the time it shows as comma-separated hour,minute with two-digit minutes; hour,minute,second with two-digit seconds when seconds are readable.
7,31
